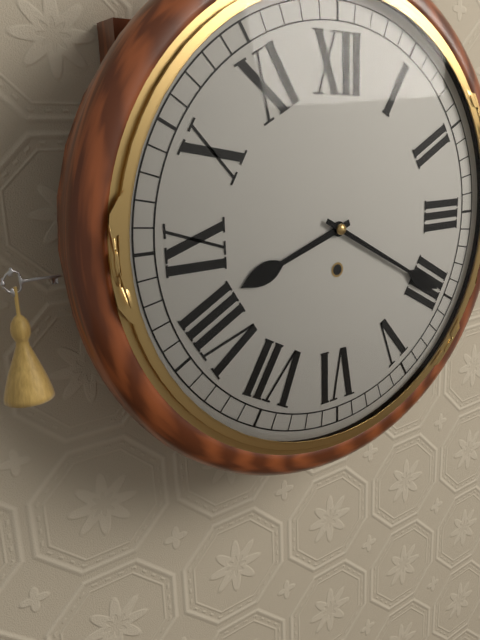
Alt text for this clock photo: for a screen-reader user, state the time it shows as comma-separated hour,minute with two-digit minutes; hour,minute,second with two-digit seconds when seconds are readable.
8,20
